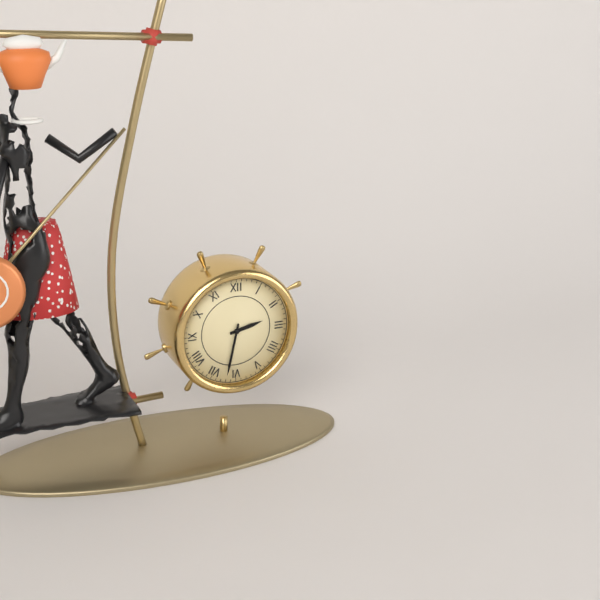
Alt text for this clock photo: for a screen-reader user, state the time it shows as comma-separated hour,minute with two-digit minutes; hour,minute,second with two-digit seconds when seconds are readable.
2,32
